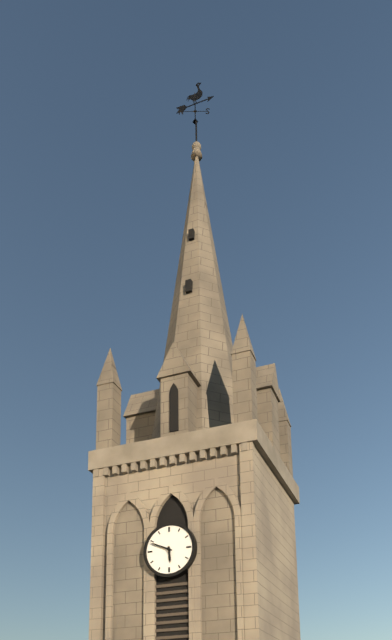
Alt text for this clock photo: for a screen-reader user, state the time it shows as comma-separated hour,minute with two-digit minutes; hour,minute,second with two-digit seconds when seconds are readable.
5,49
